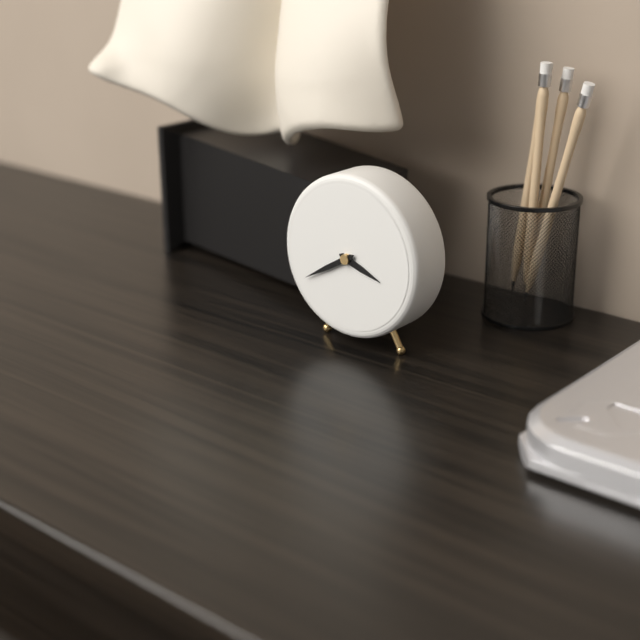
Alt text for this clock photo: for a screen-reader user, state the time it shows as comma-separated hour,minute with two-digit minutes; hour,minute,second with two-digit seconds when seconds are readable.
3,40
